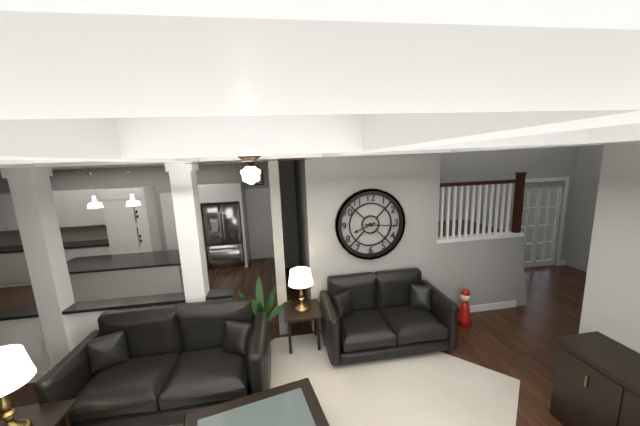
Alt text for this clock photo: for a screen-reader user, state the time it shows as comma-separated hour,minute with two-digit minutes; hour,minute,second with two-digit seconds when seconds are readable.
8,16
